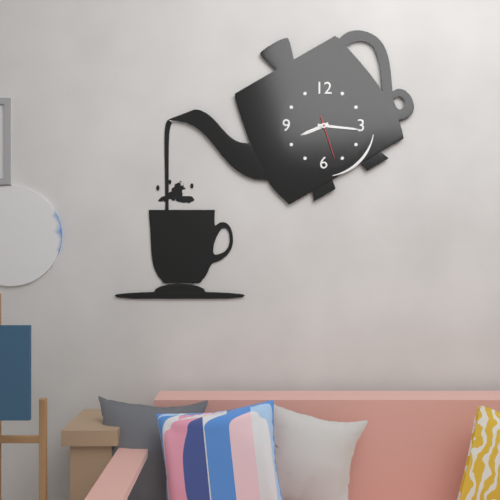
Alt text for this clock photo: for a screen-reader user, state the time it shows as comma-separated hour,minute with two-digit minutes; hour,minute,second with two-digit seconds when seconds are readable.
8,16
